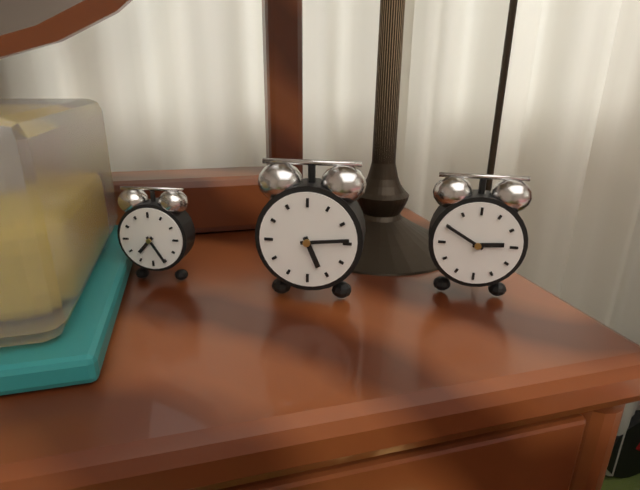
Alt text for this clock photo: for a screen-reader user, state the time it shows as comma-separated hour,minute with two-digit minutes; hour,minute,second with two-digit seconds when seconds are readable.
5,14
